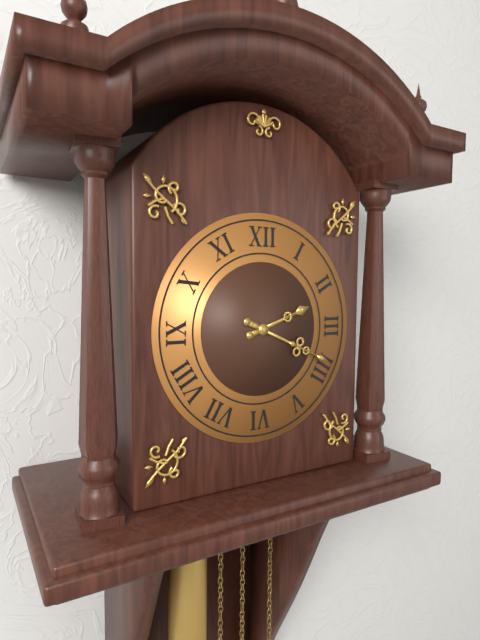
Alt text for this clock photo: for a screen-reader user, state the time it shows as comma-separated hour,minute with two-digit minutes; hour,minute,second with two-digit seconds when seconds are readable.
2,19
